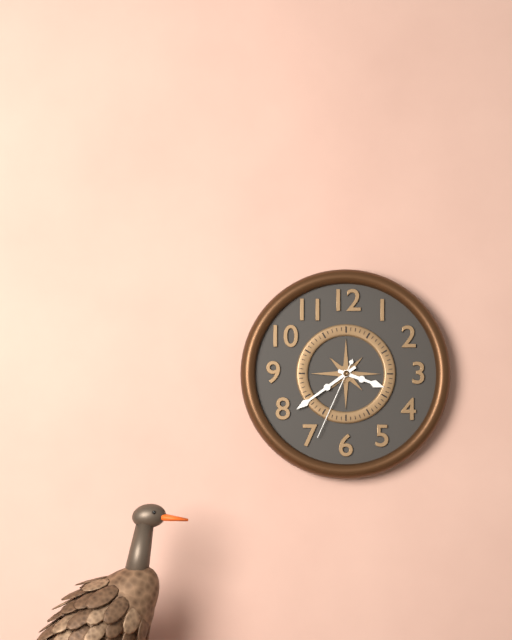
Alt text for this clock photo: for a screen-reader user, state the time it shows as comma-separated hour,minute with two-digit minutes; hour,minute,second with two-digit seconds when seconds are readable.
3,39,34
